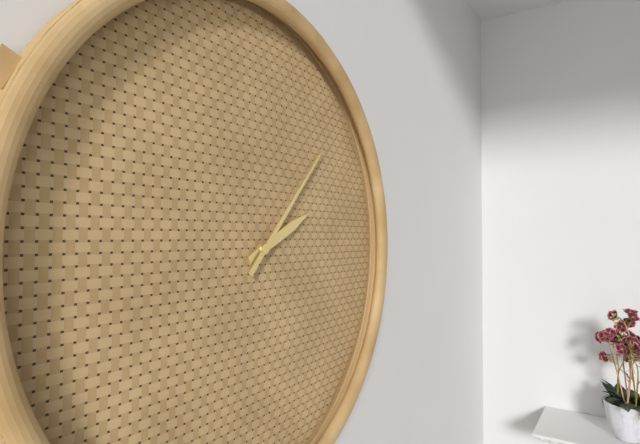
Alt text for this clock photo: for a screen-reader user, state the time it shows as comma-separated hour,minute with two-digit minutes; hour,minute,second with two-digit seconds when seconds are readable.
2,07
